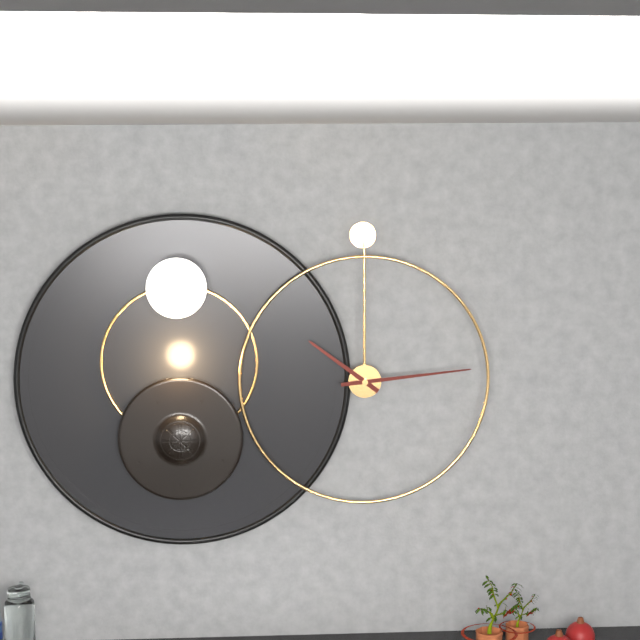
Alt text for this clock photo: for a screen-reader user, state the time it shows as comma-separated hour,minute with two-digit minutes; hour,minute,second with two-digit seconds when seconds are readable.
10,14
